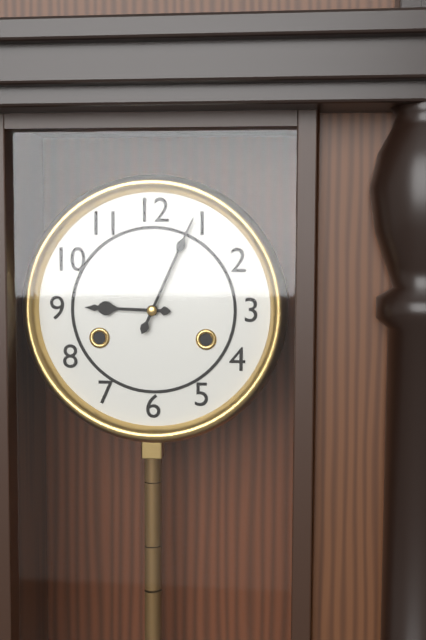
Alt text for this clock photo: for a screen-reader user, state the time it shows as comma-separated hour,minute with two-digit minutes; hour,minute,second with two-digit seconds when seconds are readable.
9,04
